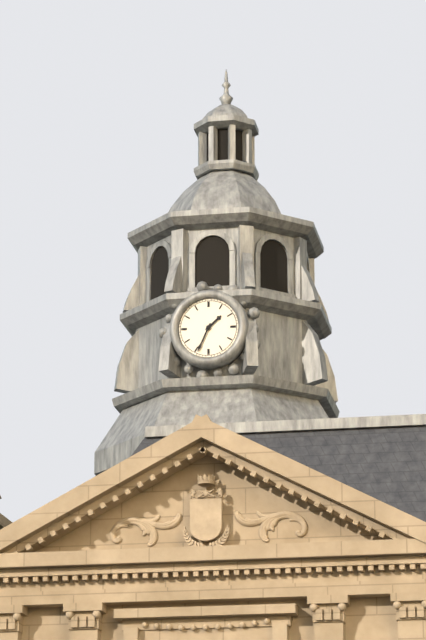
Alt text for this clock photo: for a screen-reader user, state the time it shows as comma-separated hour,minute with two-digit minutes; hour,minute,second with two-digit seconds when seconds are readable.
1,34
